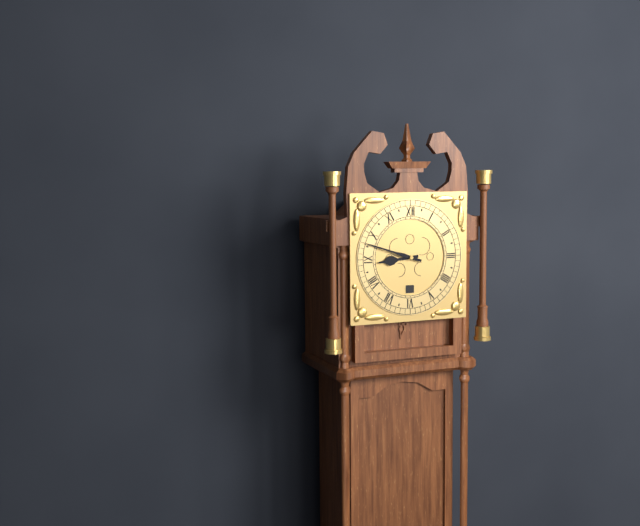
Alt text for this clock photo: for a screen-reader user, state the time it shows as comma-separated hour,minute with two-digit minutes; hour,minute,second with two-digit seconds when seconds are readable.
8,48
